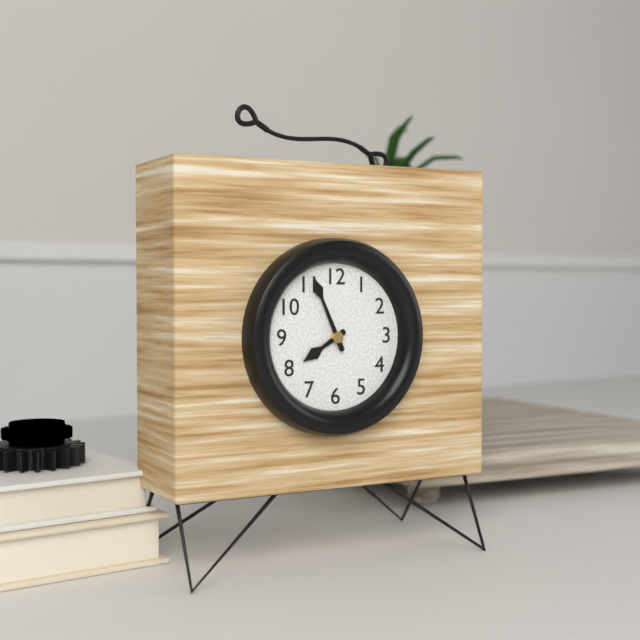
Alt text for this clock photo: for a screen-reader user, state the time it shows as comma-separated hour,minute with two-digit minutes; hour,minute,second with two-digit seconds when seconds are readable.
7,56
